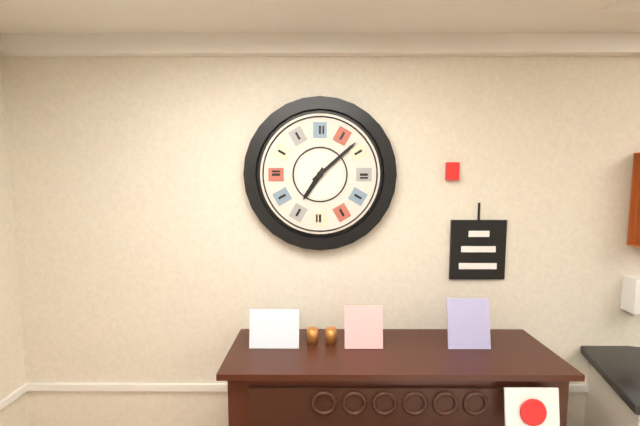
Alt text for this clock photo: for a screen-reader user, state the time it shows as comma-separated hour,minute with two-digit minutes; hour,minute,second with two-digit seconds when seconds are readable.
7,08
